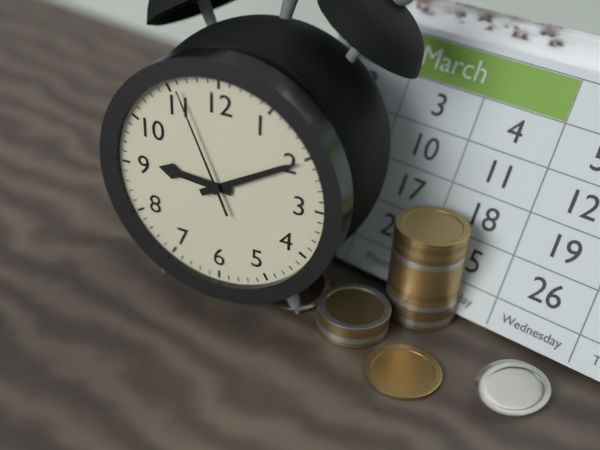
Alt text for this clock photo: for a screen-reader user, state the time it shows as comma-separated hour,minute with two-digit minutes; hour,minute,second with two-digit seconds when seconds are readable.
9,10,56
